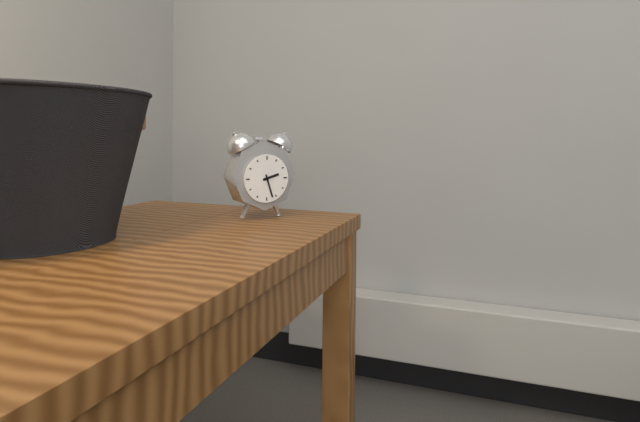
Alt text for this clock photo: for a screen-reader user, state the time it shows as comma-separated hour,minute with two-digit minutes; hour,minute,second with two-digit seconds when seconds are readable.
2,27
